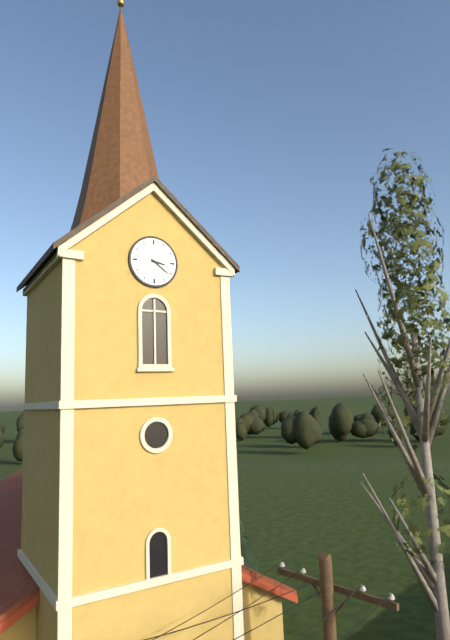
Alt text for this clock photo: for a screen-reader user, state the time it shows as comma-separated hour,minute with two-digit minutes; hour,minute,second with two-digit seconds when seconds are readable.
3,21
